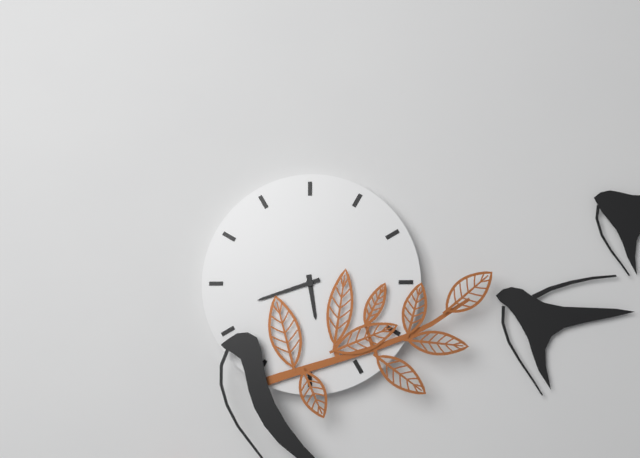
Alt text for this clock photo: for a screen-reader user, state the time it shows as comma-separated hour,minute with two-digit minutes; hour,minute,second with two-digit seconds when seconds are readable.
5,42
